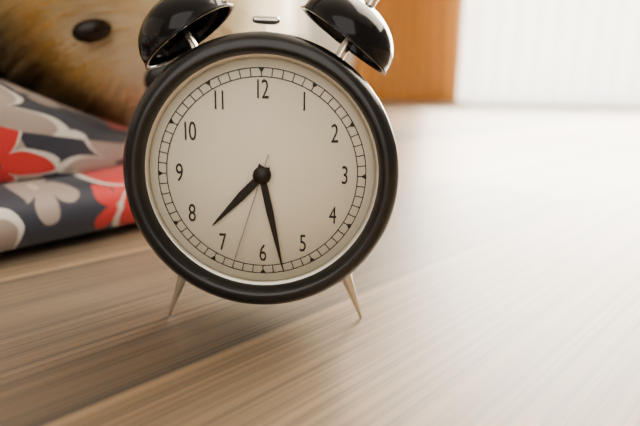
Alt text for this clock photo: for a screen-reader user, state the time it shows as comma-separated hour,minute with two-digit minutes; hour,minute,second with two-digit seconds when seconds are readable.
7,28,33
